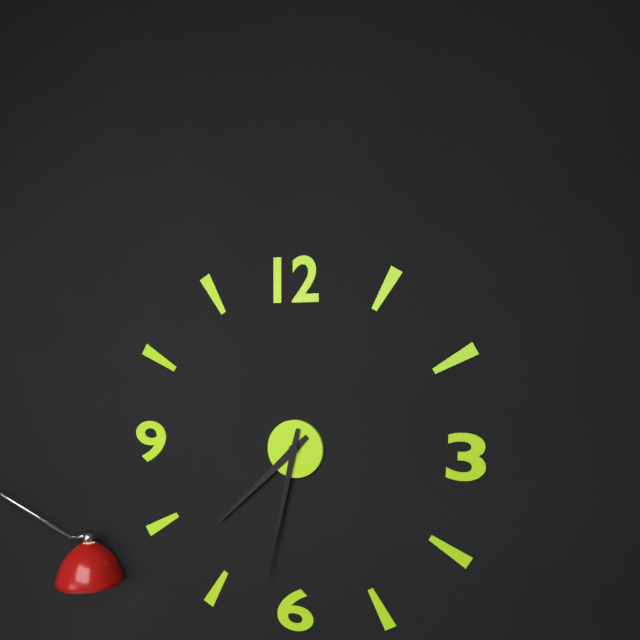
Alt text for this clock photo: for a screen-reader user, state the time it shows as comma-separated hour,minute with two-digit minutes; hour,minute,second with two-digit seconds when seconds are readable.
7,32
